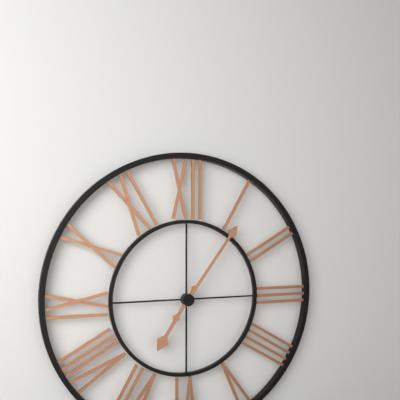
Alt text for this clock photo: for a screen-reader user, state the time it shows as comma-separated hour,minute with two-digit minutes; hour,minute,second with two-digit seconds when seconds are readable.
7,06
